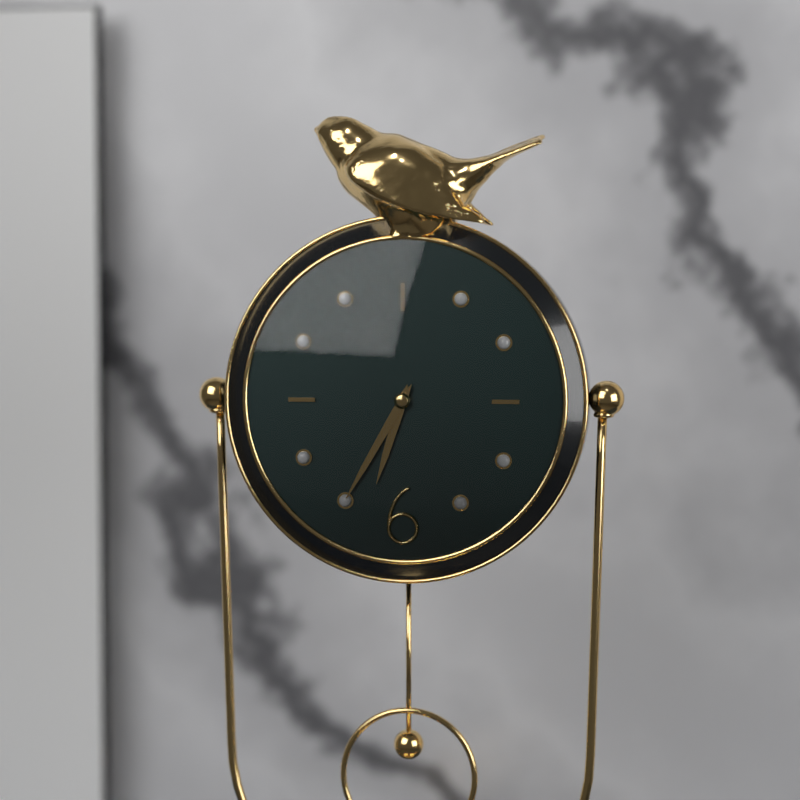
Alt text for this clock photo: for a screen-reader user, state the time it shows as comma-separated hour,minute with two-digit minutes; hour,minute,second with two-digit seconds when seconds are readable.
6,35
